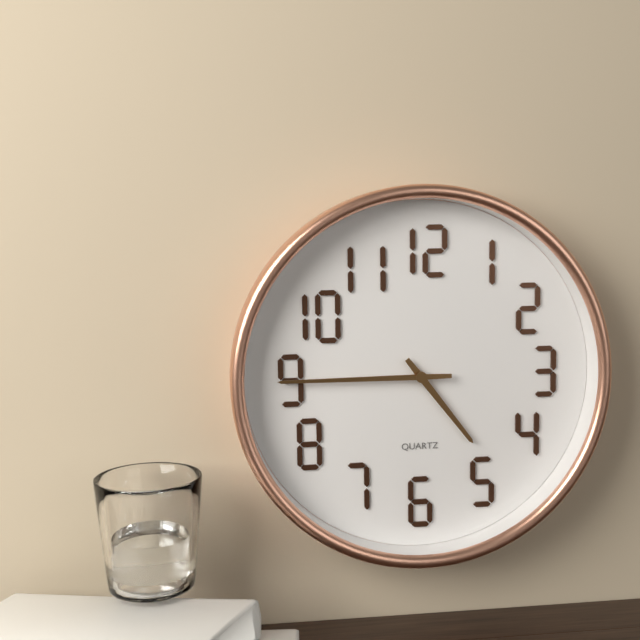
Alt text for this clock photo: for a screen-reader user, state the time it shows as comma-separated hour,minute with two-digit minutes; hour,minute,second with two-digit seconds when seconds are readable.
4,45
